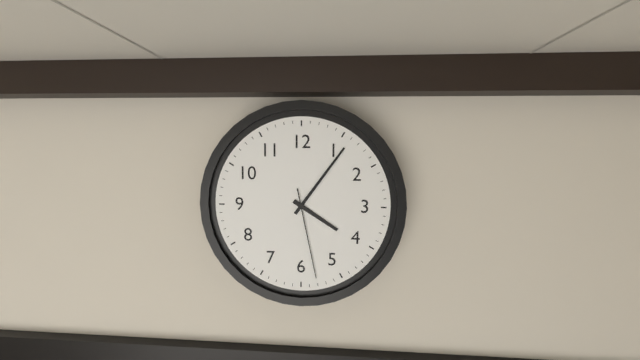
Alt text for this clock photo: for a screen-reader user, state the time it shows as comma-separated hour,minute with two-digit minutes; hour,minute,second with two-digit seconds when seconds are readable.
4,06,28
